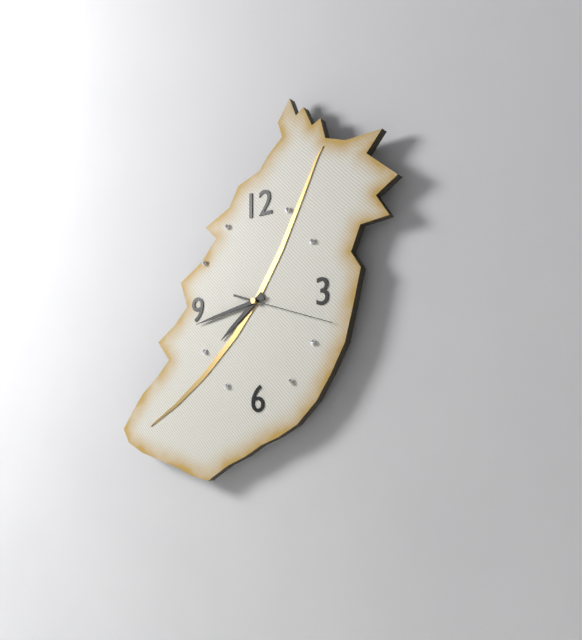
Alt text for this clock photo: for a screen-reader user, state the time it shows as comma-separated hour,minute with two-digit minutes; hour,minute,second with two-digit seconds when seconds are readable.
7,43,18
